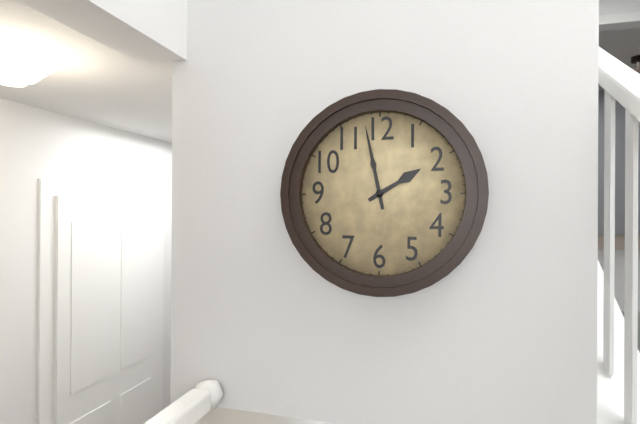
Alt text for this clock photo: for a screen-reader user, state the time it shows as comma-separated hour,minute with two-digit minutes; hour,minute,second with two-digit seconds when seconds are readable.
1,58
